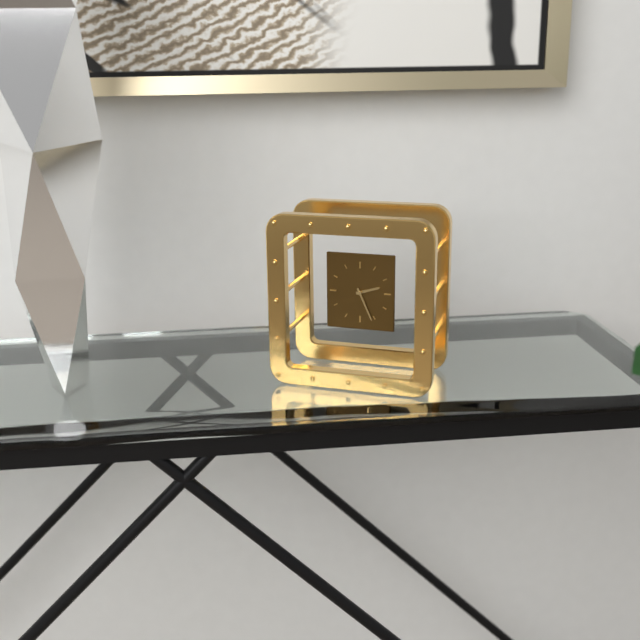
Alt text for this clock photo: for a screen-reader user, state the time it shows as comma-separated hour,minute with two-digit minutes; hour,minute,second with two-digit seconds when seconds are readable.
2,26
